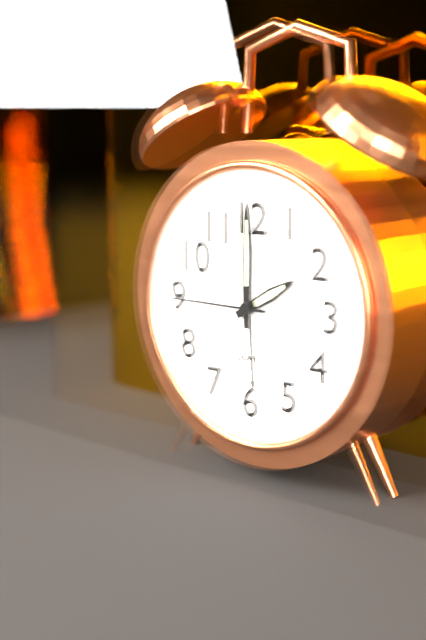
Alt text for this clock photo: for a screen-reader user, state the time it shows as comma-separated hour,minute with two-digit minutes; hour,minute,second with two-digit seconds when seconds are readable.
2,00,45
